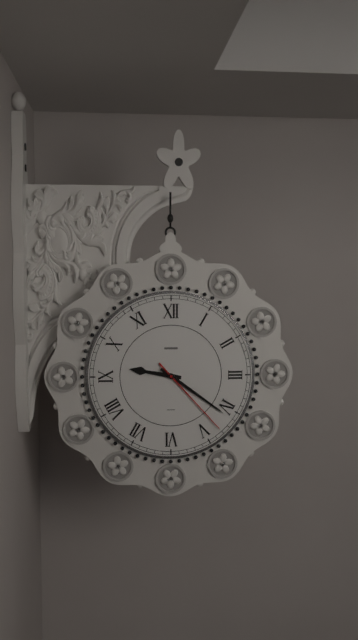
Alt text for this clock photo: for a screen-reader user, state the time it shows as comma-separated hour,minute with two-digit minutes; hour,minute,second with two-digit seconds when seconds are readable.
9,21,23
